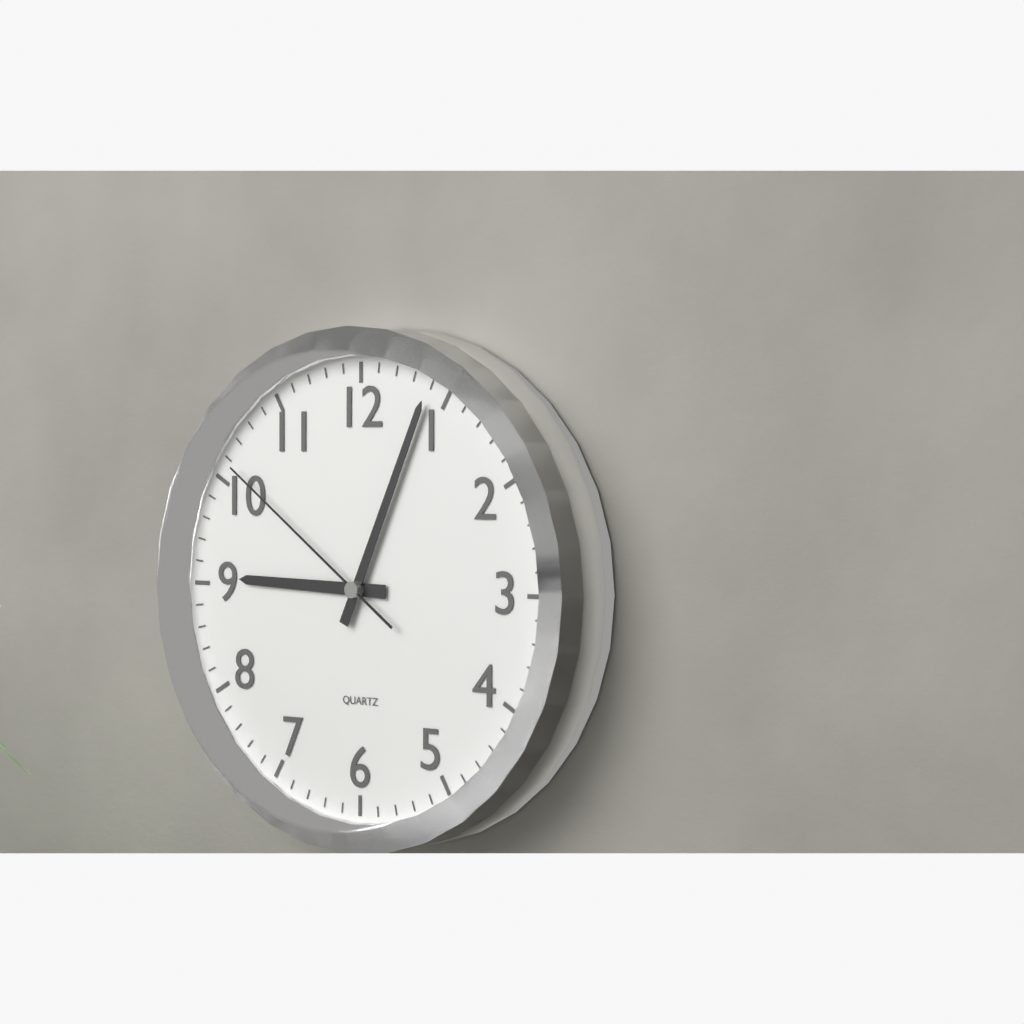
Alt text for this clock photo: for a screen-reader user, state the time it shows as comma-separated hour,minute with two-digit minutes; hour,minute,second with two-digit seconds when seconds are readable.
9,04,51
